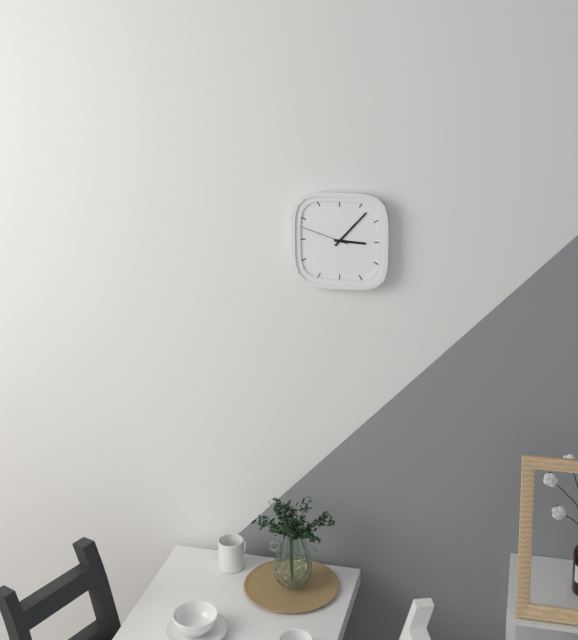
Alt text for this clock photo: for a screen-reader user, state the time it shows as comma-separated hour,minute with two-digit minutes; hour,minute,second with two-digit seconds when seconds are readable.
3,07,48
